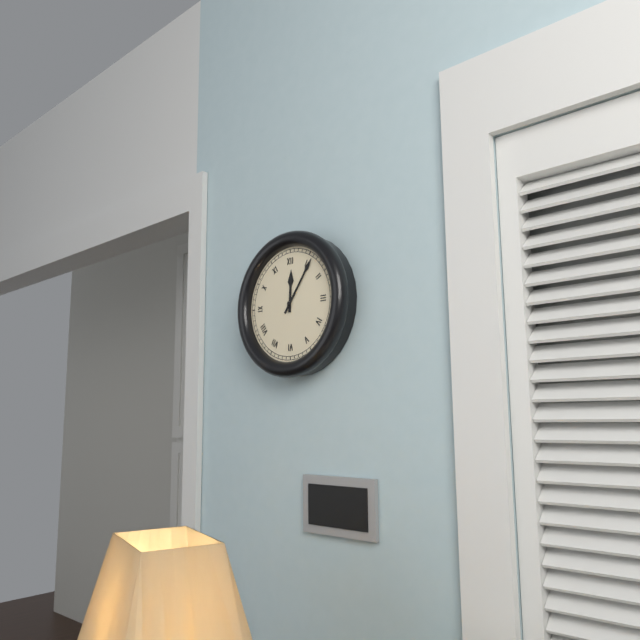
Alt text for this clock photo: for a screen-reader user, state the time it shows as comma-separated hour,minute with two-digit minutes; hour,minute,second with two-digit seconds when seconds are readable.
12,06
